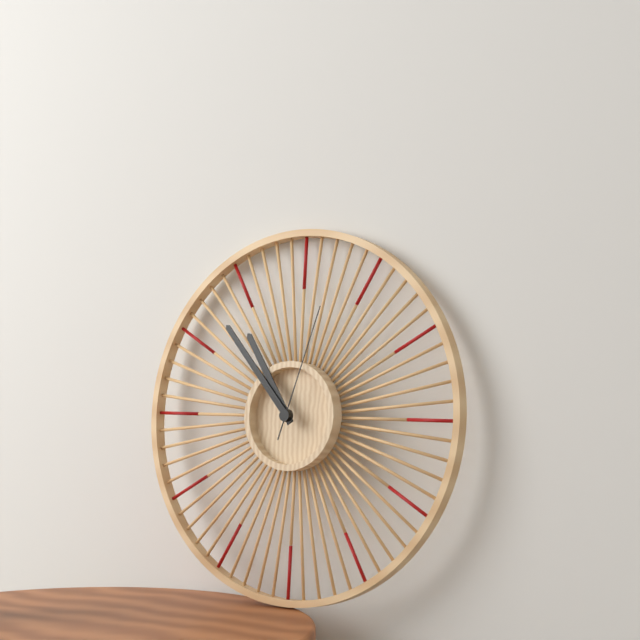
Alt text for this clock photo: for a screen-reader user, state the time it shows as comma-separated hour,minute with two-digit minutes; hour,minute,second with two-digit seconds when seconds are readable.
10,53,03
